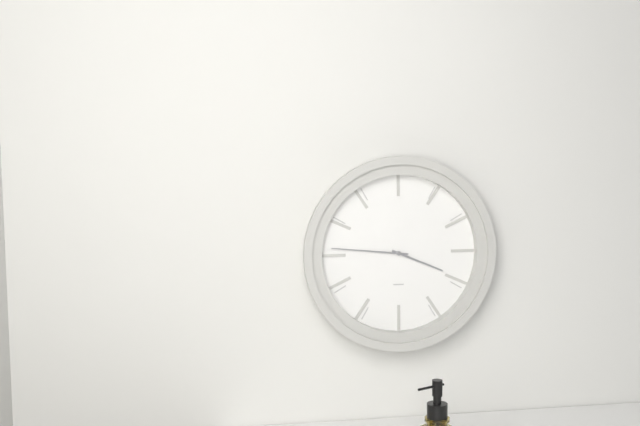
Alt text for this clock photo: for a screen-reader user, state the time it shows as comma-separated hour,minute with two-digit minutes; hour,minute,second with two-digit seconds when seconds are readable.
3,46
